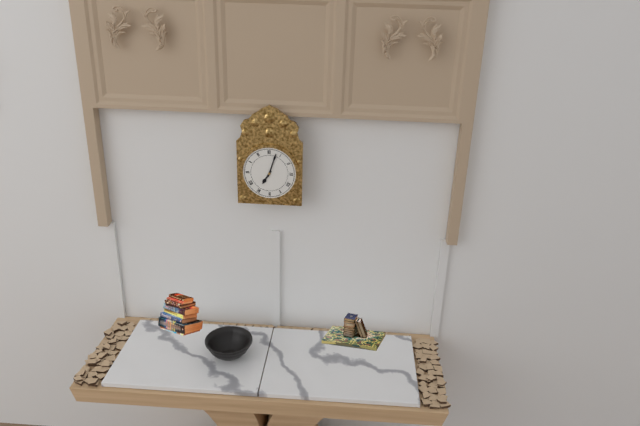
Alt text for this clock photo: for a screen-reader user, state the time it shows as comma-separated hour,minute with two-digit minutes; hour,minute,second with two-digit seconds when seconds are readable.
7,03
